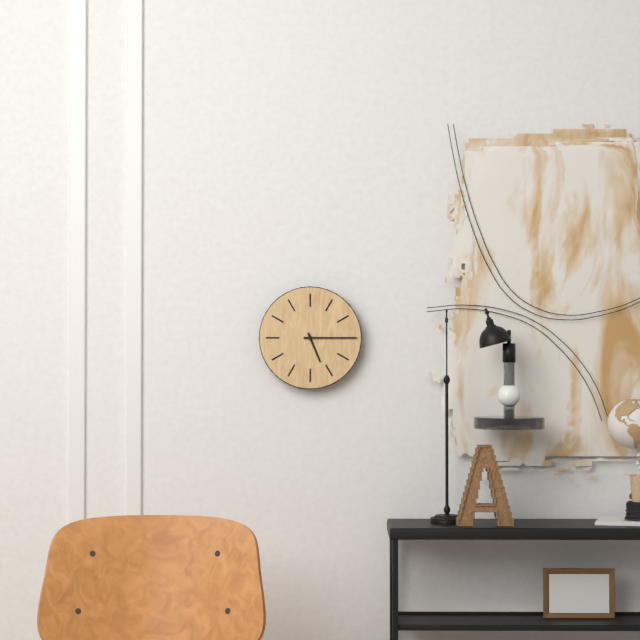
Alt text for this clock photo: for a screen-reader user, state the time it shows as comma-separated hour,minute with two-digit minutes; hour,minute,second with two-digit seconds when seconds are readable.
5,15
